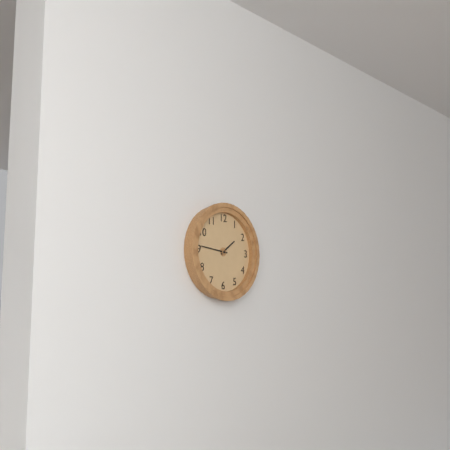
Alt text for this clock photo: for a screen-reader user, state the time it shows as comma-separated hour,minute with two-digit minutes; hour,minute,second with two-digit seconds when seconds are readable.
1,46
